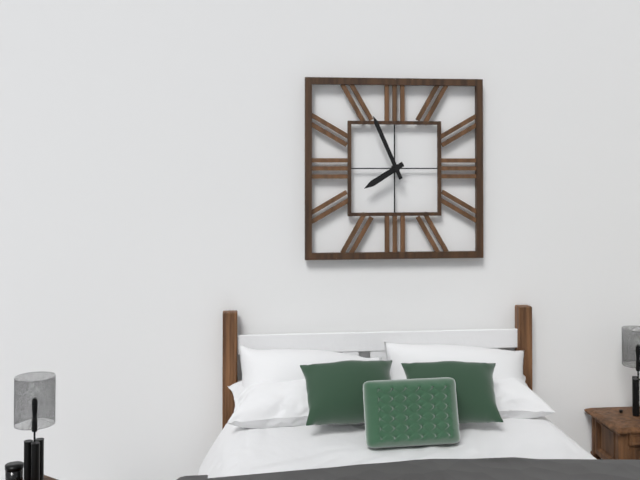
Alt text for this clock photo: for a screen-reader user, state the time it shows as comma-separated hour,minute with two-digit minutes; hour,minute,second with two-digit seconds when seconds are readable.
7,56
